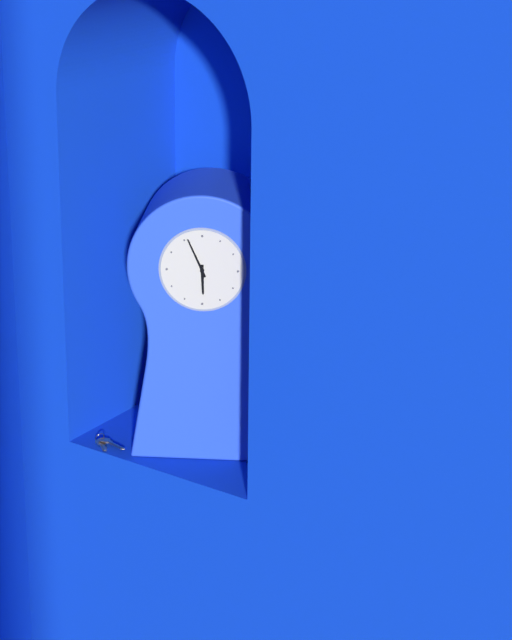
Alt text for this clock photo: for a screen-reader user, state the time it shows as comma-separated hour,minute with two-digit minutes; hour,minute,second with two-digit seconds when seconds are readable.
5,56
